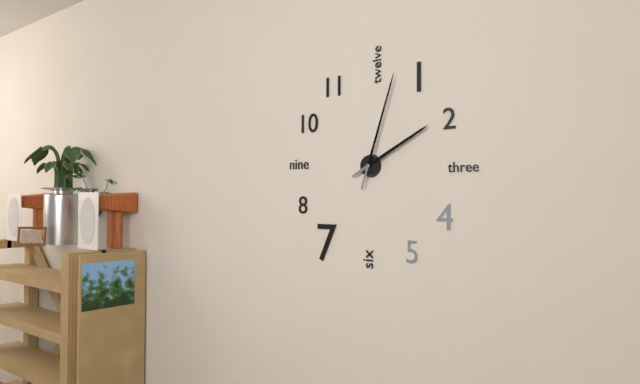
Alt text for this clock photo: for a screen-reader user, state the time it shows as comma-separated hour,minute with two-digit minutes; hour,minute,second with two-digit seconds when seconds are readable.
2,03
